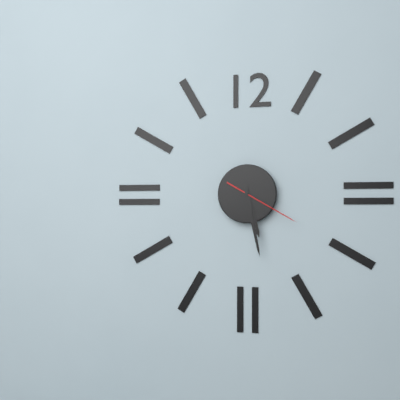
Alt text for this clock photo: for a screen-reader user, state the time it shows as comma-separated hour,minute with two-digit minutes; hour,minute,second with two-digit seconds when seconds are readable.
5,28,20
